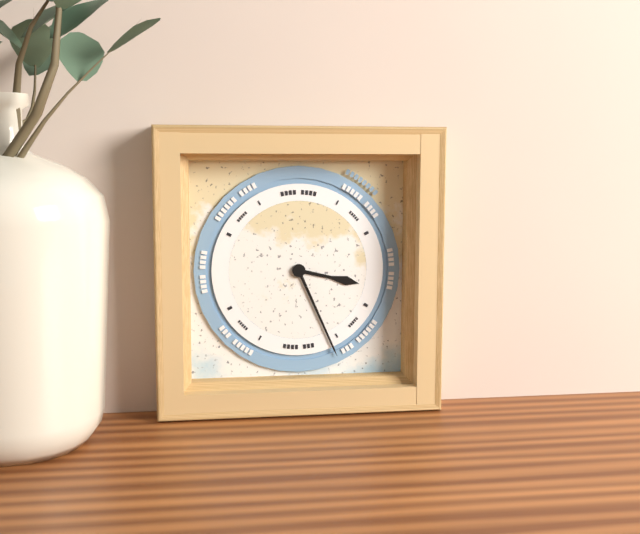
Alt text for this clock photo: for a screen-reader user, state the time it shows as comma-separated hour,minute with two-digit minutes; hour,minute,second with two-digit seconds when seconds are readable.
3,26
